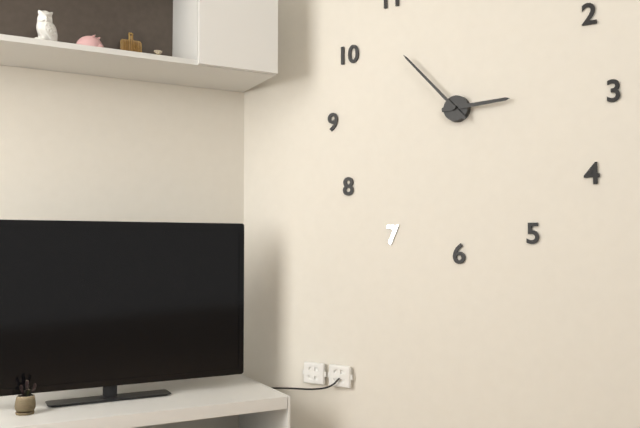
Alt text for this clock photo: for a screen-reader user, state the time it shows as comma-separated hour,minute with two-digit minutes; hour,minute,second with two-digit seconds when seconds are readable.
2,53
